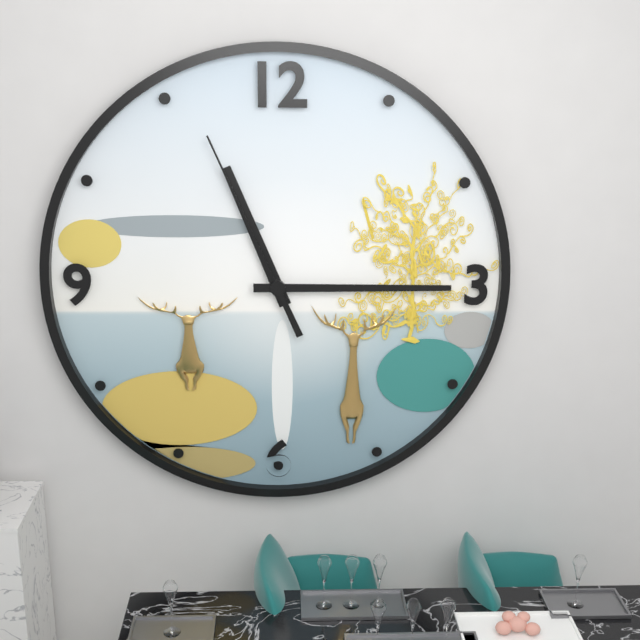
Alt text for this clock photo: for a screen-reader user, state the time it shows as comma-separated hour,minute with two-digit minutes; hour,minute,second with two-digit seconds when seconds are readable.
11,15,56
